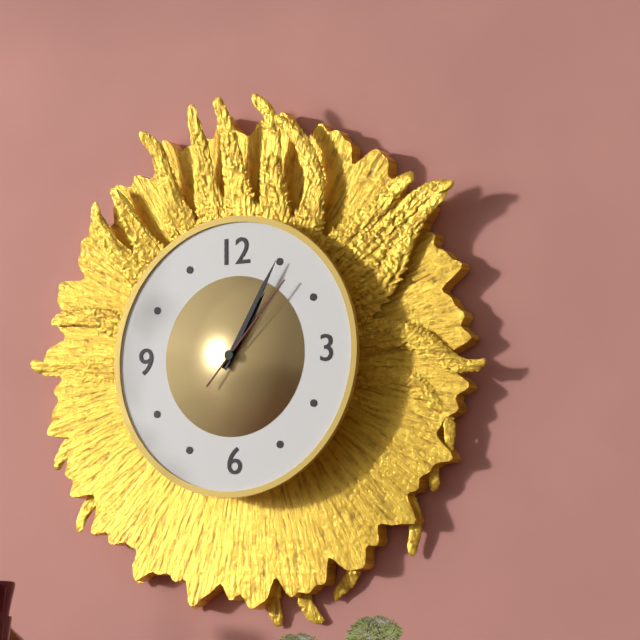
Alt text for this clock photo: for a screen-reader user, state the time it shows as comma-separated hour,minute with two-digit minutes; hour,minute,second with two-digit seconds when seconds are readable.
1,05,07
